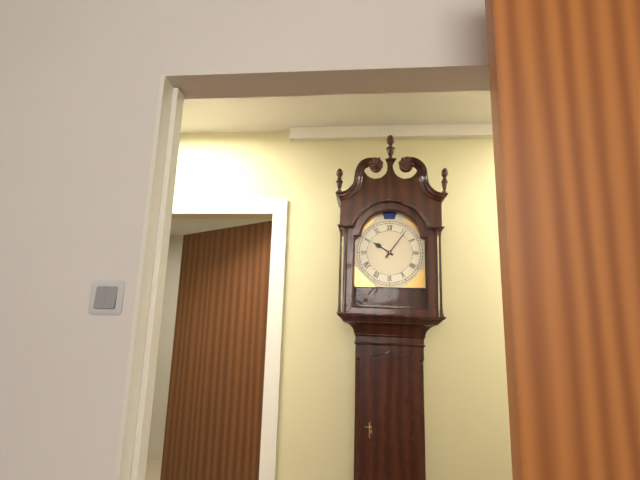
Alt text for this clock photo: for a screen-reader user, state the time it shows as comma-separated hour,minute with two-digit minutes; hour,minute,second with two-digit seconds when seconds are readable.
10,06
